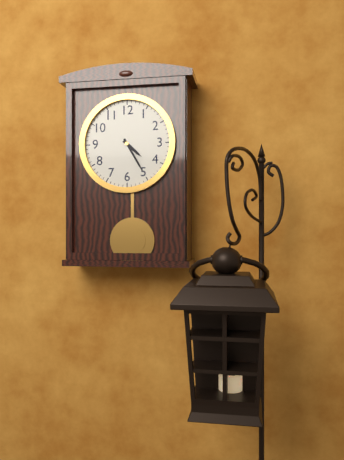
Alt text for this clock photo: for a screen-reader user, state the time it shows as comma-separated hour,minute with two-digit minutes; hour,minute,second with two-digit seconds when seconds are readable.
4,25
